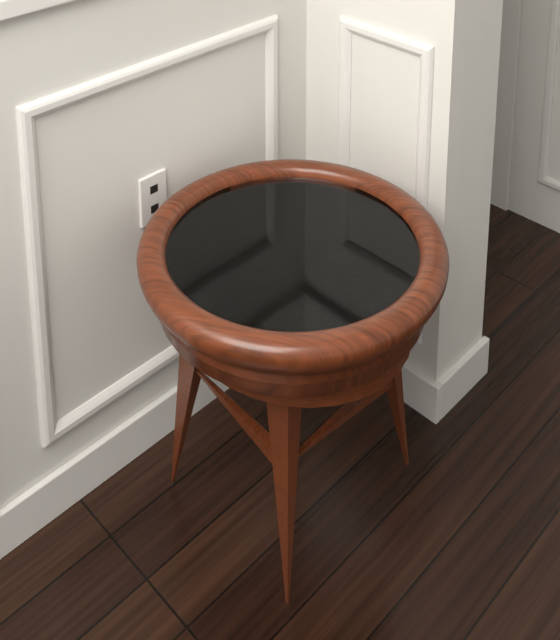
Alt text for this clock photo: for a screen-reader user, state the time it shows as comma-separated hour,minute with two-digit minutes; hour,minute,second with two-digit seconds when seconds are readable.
4,50
